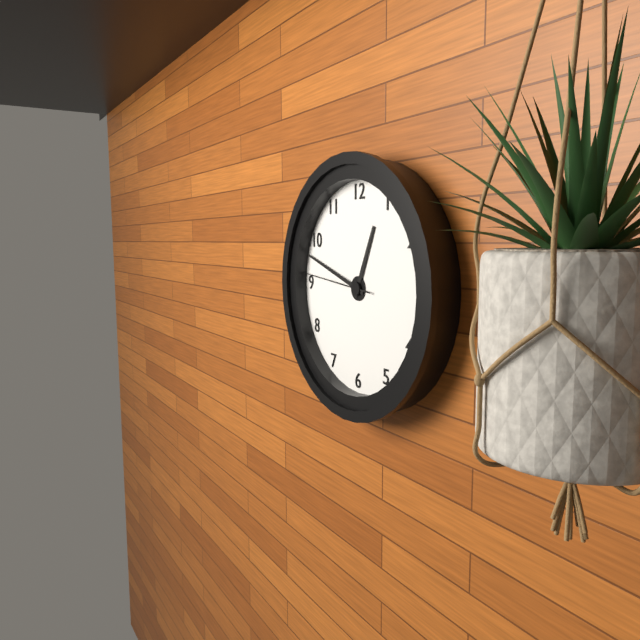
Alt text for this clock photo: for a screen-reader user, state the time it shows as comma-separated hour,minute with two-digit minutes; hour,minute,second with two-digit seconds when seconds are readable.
12,48,46
